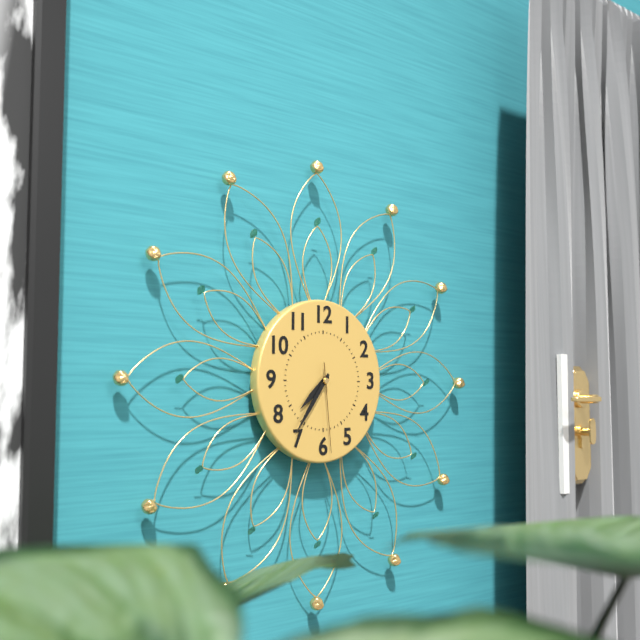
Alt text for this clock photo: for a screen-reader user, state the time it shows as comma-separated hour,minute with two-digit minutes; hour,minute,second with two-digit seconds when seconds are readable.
7,36,29
